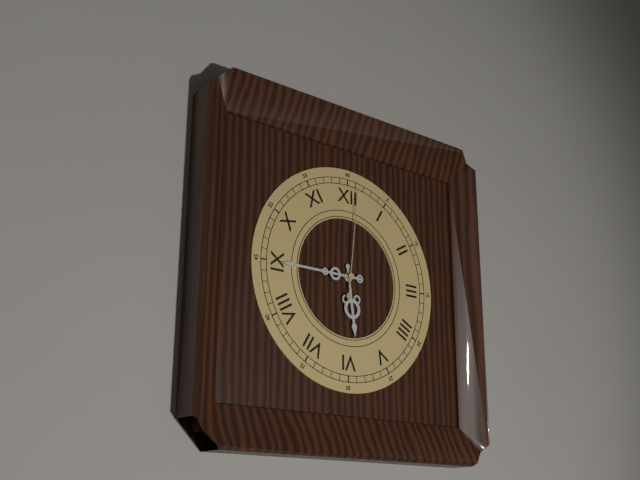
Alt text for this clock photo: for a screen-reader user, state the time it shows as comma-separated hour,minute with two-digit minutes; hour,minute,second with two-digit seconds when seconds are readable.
5,45,01
